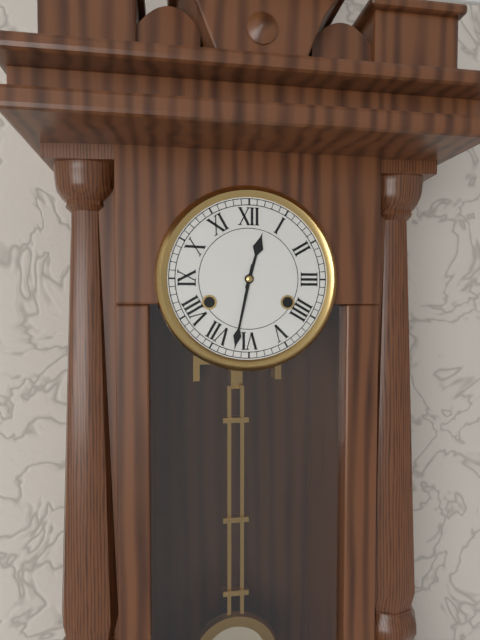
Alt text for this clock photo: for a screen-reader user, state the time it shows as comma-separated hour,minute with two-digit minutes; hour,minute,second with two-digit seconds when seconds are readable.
12,32
